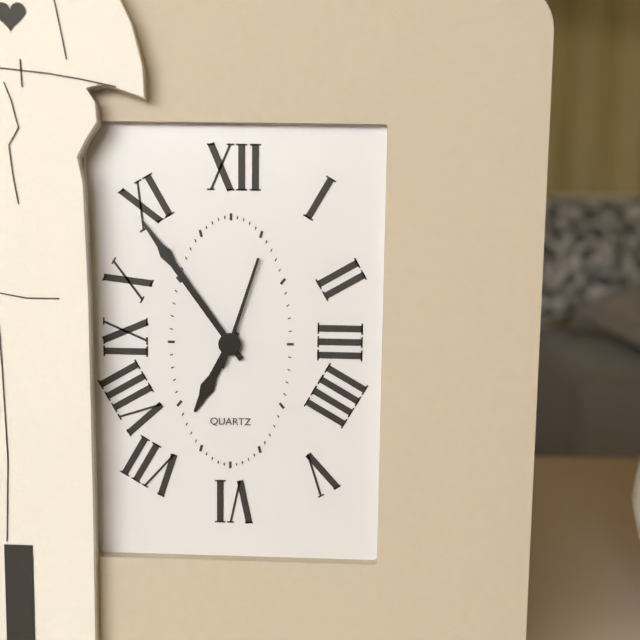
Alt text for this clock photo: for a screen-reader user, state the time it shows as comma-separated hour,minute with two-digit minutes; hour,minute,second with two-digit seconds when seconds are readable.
6,54,03
